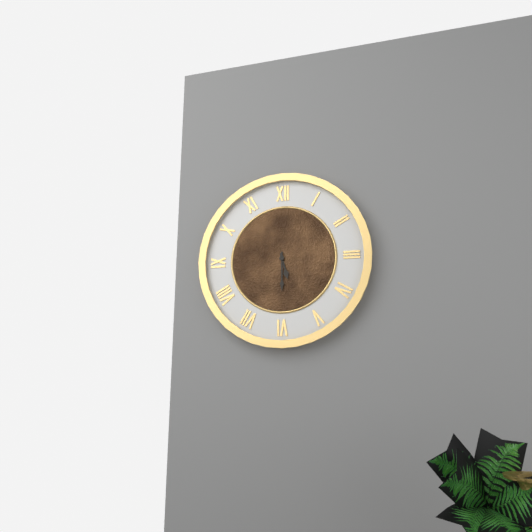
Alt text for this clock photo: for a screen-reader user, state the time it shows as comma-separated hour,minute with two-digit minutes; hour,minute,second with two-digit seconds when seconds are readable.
5,30
